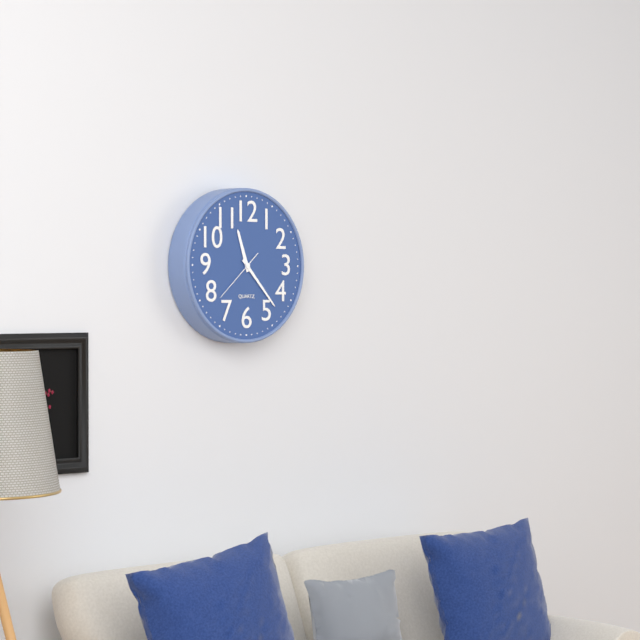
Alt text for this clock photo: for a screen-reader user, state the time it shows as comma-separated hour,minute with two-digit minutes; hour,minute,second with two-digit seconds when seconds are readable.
11,23,38
